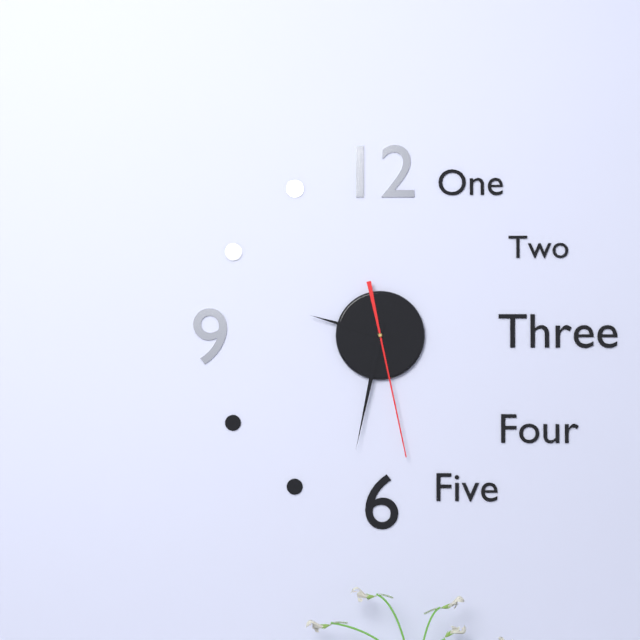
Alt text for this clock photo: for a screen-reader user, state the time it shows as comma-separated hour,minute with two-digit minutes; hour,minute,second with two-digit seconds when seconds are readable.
9,32,28
